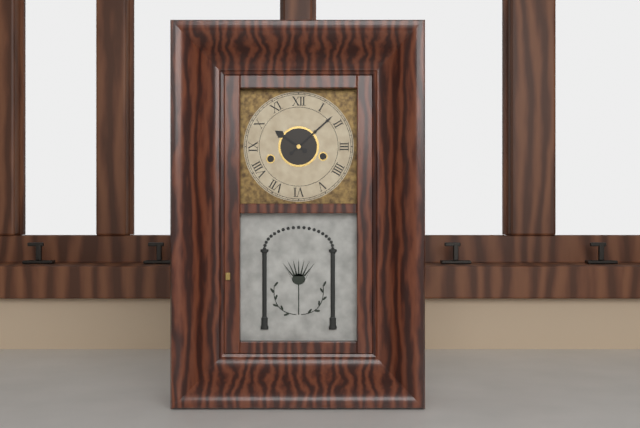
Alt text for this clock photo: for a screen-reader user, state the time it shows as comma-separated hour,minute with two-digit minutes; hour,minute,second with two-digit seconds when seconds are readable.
10,08
